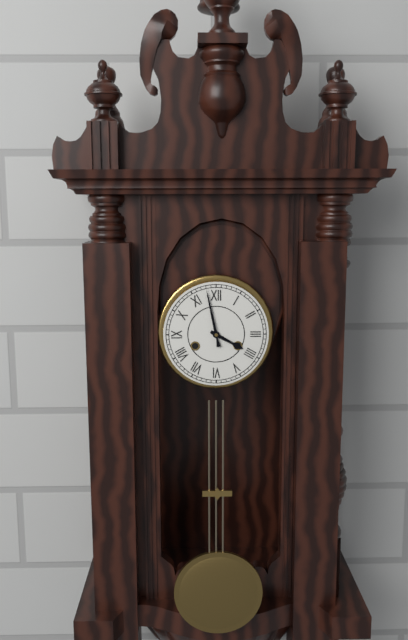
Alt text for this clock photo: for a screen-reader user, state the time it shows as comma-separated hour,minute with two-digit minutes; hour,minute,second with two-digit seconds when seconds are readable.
3,58
